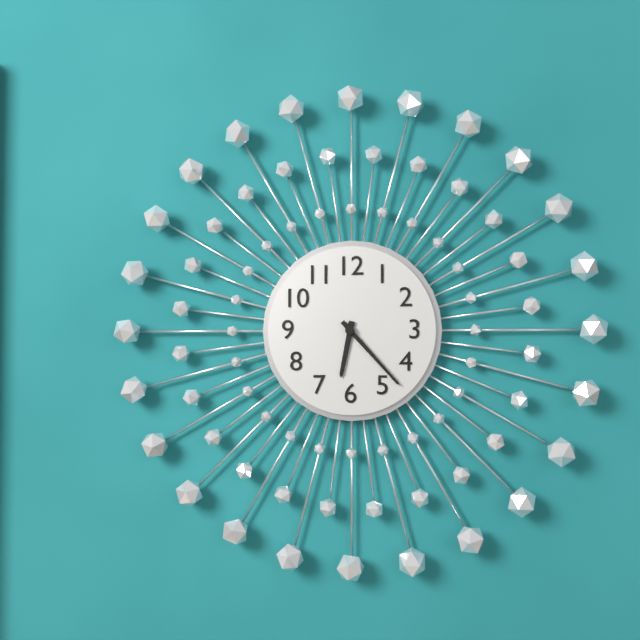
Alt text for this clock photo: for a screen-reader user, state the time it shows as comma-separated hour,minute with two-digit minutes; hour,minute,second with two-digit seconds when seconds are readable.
6,23
